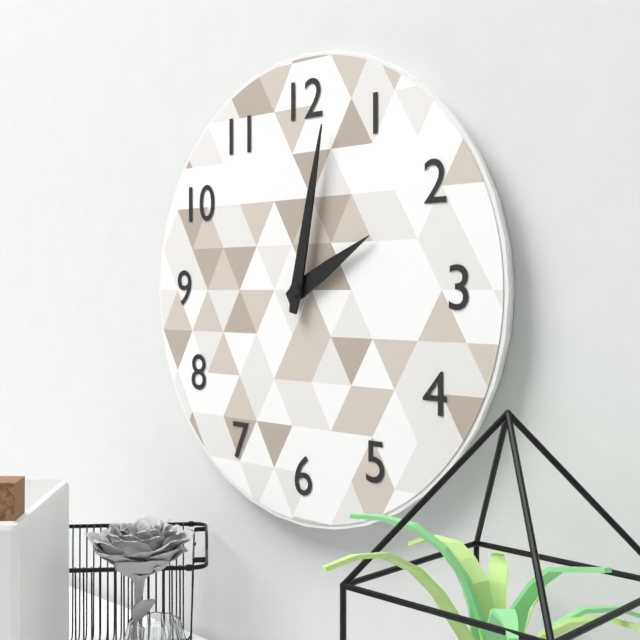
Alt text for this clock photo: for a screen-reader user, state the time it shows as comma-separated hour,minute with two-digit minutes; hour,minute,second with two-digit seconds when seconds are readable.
2,02
